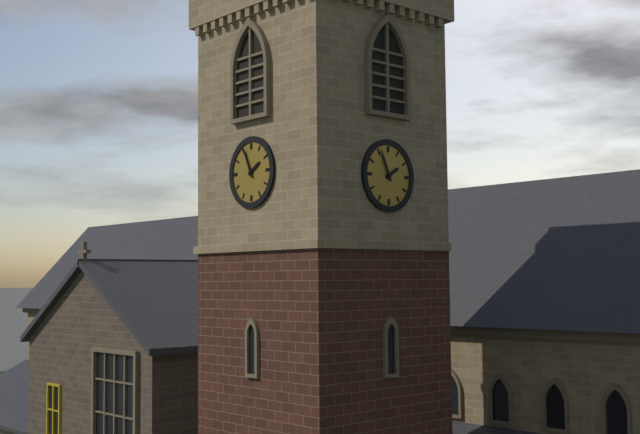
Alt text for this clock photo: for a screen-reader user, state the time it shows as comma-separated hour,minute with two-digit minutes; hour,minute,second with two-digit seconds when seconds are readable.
1,56
